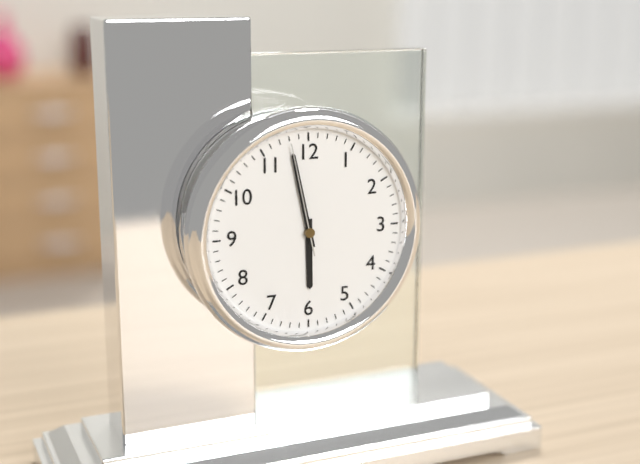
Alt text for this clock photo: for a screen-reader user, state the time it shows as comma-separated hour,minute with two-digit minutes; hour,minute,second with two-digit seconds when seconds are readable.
5,58,58
